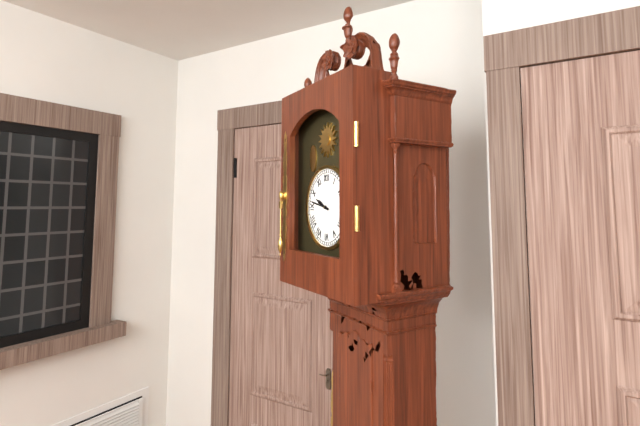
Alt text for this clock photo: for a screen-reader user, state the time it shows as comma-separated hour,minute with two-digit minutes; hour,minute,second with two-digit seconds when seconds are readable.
9,47
